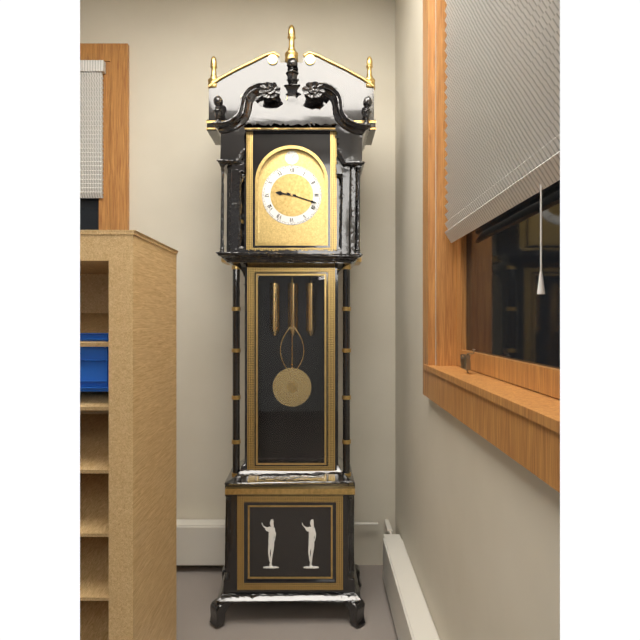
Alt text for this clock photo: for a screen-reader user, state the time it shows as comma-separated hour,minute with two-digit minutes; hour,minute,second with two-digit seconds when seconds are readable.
9,18
